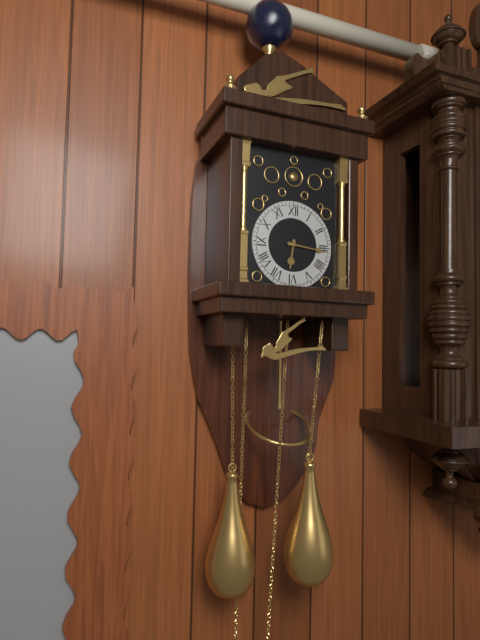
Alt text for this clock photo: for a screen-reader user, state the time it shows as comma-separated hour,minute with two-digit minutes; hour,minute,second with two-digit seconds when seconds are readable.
6,16
